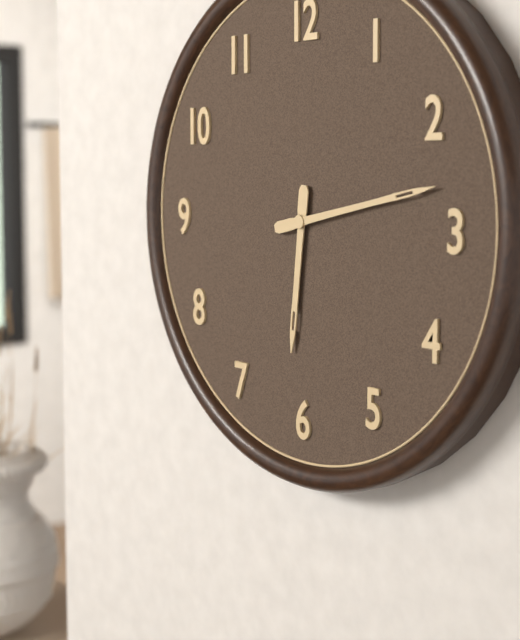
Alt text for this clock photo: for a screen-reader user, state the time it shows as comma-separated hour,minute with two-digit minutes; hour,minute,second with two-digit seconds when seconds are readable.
6,13
